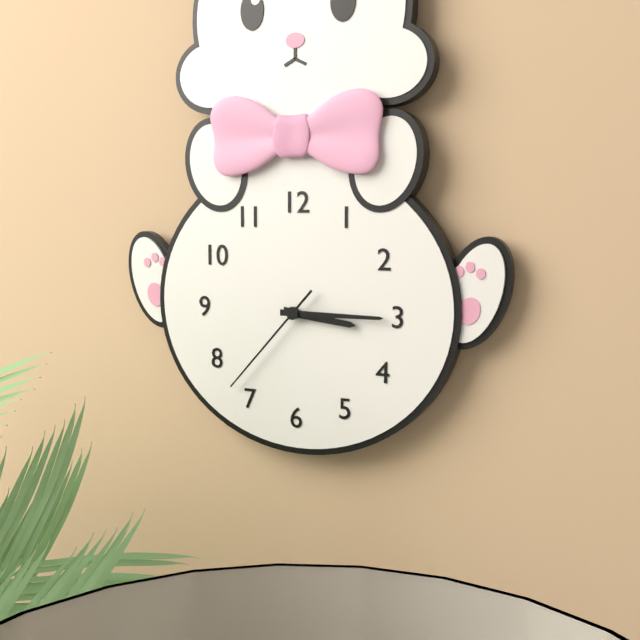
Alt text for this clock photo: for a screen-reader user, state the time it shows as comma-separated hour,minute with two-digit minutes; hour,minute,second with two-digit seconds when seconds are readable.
3,15,37
